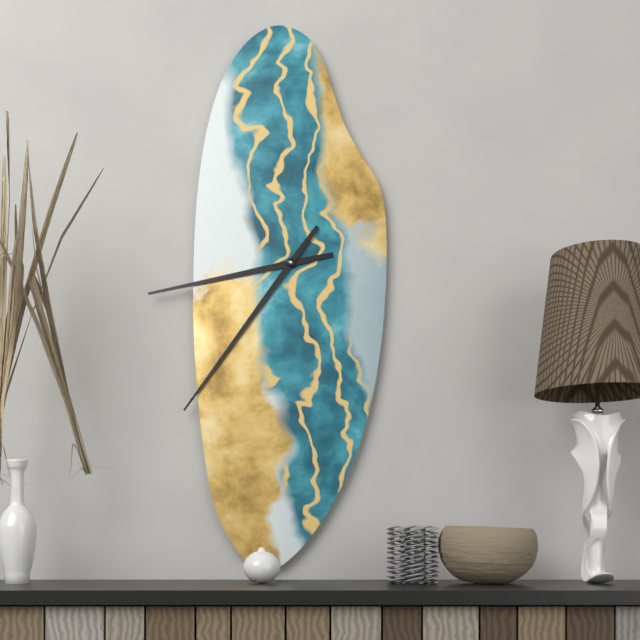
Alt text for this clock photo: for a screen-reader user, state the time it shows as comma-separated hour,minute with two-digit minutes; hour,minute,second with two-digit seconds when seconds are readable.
8,36
